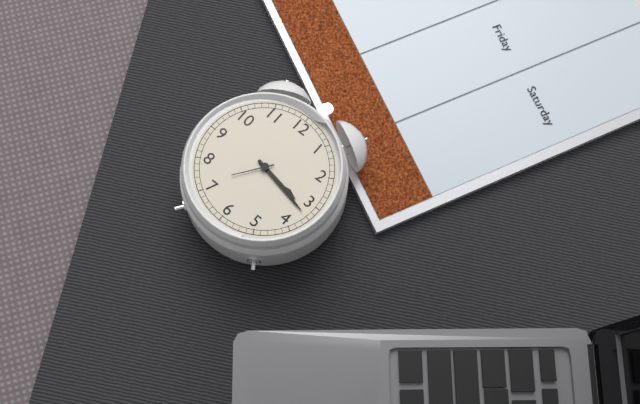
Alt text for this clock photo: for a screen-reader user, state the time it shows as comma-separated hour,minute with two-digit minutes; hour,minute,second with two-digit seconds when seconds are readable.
3,17
